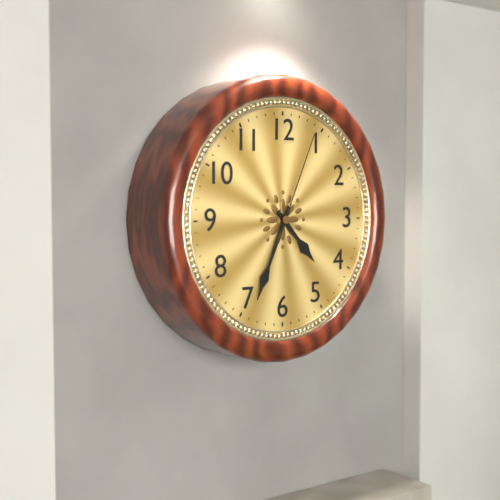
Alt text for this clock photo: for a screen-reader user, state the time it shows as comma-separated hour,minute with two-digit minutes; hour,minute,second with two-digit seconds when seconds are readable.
4,34,04
